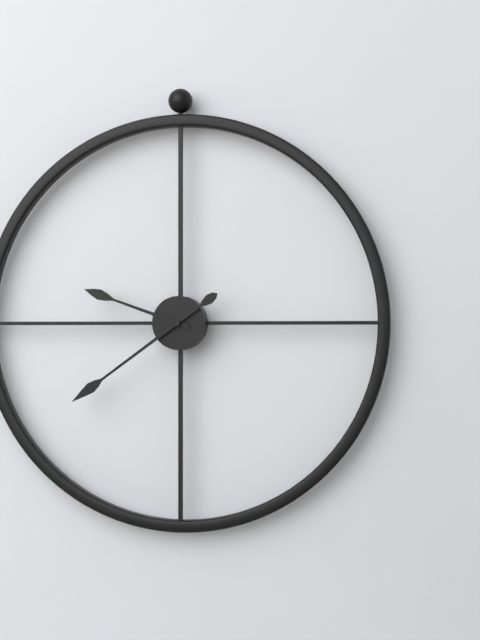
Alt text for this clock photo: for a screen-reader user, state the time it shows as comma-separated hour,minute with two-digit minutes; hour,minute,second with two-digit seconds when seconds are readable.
9,39
